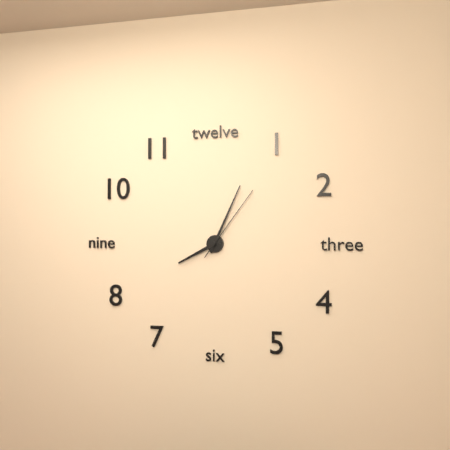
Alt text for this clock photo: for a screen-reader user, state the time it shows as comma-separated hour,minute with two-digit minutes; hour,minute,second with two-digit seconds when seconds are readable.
8,04,06
